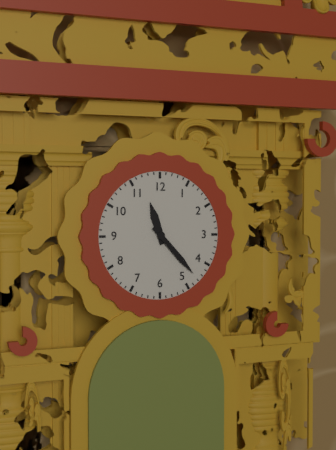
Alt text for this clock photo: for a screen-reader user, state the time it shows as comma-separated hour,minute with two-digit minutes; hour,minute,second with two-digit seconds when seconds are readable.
11,23
